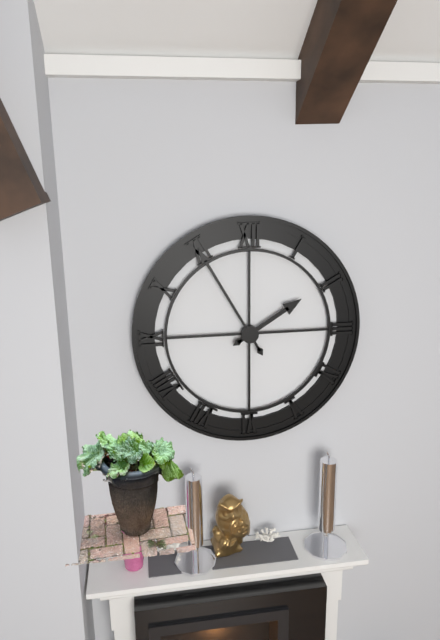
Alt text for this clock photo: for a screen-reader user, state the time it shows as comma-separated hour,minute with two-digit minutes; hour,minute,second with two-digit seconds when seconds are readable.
1,55
